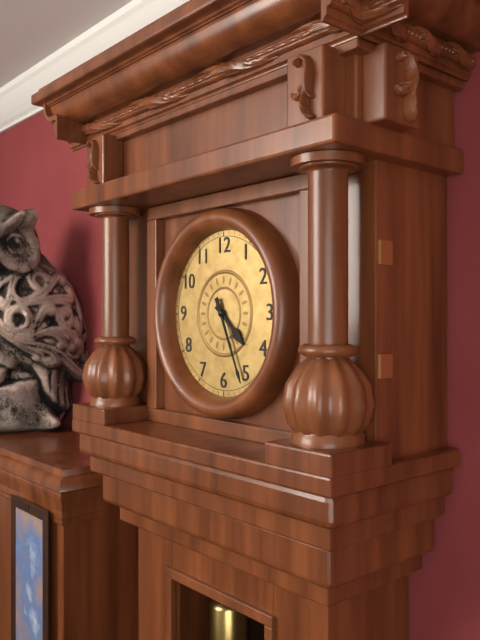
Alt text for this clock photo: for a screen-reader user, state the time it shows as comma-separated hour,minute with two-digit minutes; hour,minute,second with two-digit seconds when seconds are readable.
4,26
